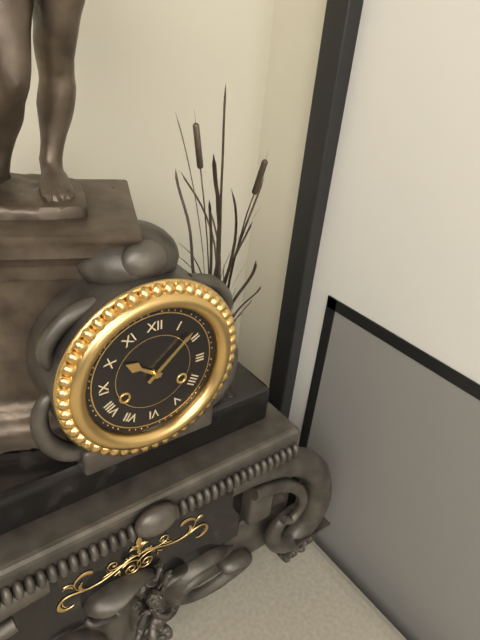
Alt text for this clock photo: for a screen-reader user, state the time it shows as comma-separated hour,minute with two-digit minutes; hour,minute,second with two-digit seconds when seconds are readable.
10,08
